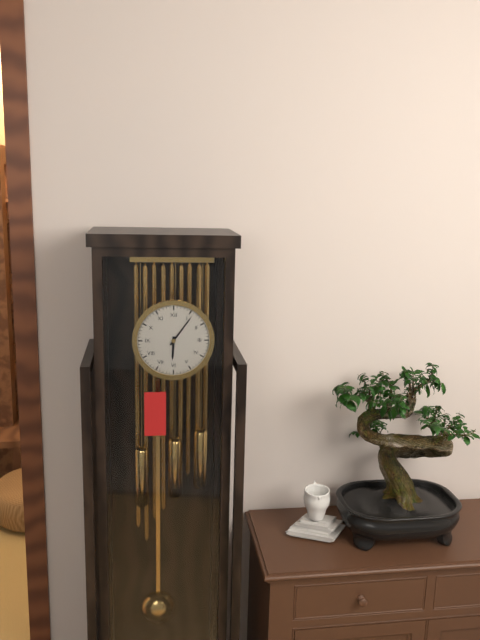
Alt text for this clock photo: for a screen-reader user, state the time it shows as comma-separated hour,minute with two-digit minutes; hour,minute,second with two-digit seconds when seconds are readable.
6,06
